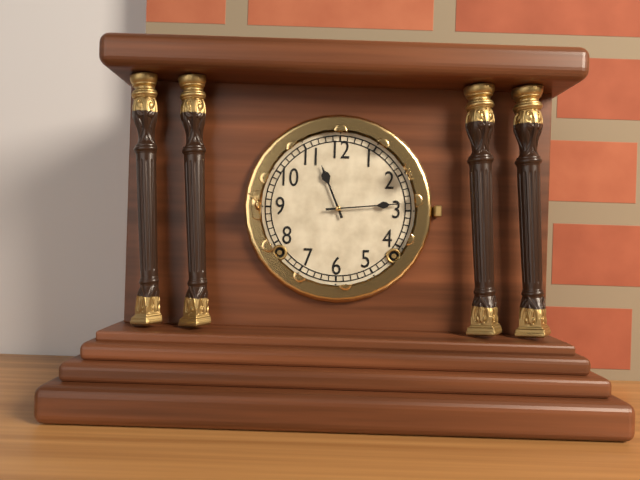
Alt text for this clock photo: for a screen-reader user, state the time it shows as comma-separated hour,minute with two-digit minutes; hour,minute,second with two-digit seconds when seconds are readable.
11,14
